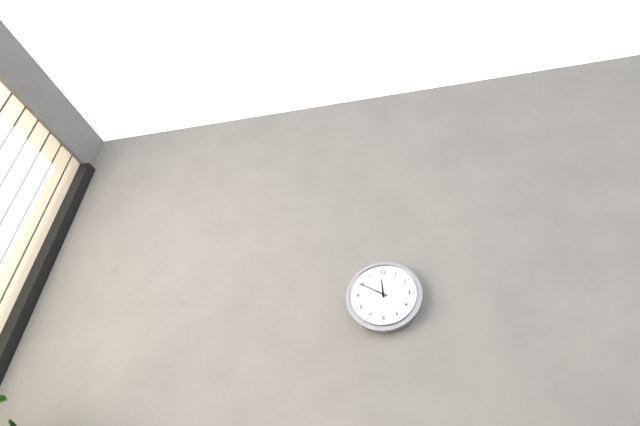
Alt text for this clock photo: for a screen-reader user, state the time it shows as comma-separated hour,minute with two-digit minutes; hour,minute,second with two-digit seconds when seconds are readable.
11,50
